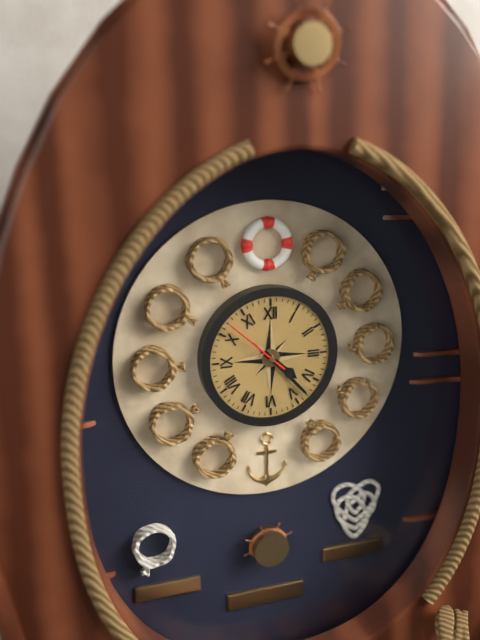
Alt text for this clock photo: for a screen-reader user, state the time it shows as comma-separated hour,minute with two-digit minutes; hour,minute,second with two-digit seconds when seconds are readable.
4,23,52
